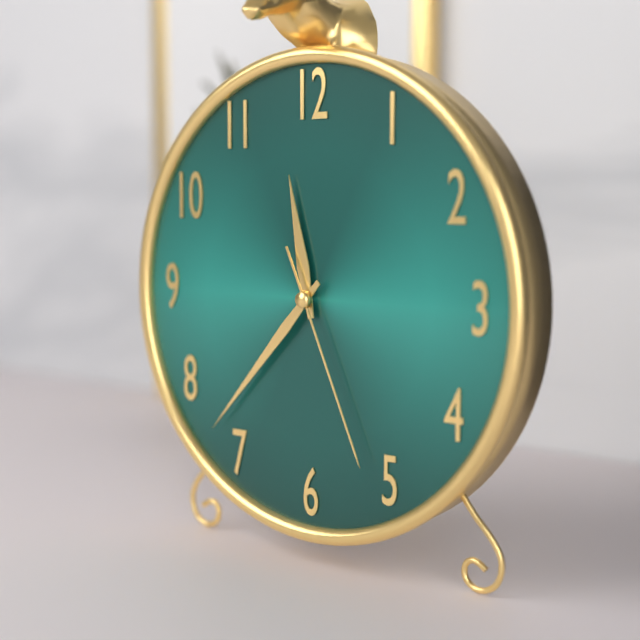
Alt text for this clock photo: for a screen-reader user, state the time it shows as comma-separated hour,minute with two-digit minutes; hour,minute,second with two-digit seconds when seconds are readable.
11,37,26
